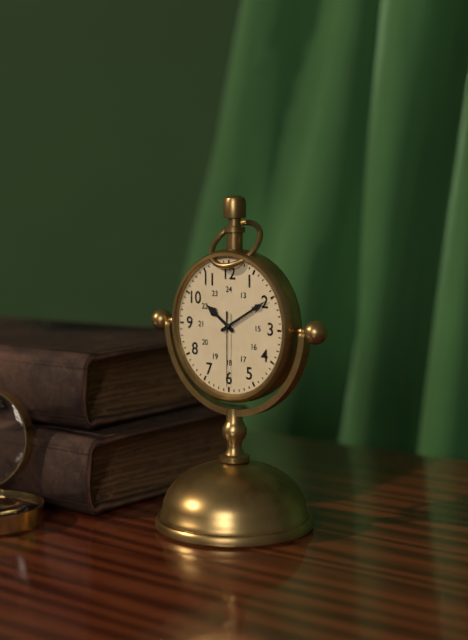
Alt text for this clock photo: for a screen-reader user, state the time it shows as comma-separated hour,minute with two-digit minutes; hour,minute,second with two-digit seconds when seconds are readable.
10,10,30
